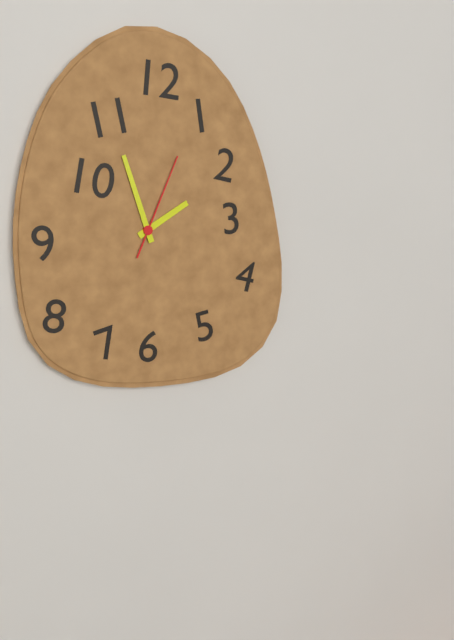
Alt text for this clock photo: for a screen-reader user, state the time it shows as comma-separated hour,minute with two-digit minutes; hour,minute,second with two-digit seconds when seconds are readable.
1,57,04
